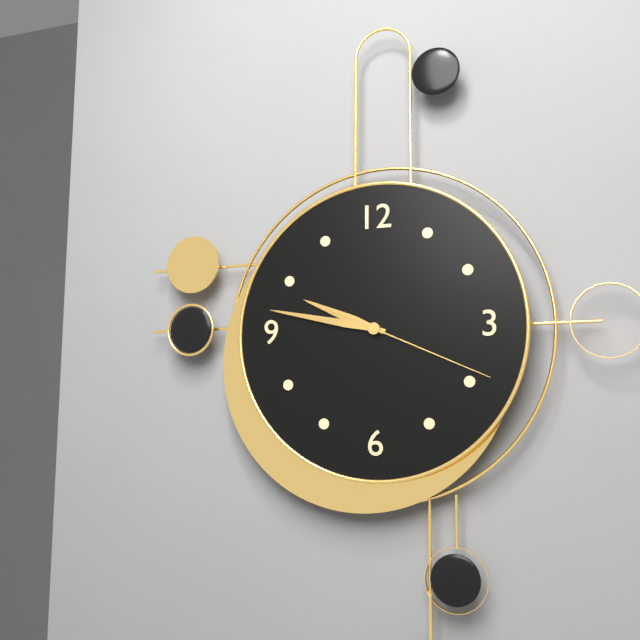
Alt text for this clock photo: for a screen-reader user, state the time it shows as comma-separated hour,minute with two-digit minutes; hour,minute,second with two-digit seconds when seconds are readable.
9,47,19
